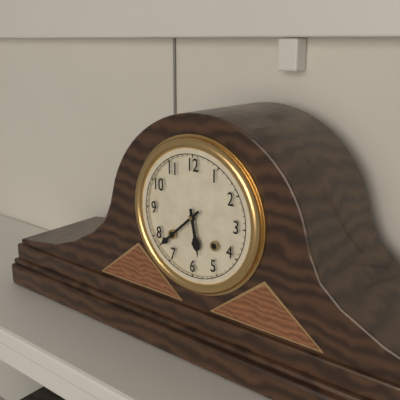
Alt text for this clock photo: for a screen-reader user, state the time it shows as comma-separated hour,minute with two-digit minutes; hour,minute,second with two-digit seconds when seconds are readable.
5,38
